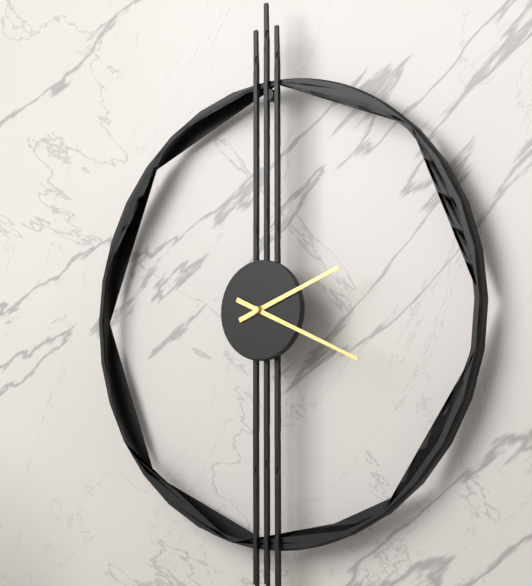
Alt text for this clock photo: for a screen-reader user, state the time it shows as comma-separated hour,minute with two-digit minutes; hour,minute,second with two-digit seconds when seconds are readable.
2,19
